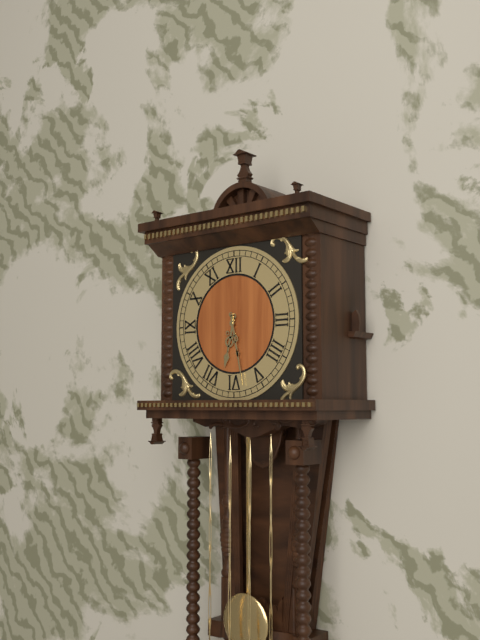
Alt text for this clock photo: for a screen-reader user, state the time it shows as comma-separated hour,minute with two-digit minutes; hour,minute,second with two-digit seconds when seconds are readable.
6,28
